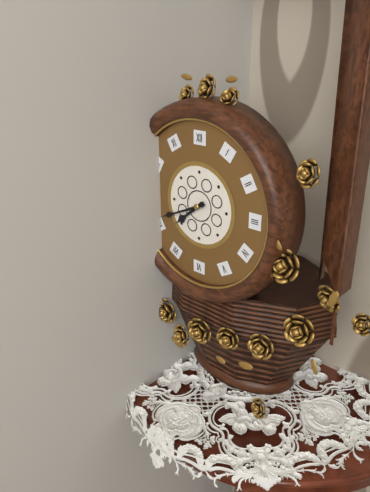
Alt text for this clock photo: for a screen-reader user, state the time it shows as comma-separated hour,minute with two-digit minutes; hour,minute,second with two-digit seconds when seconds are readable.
7,41
